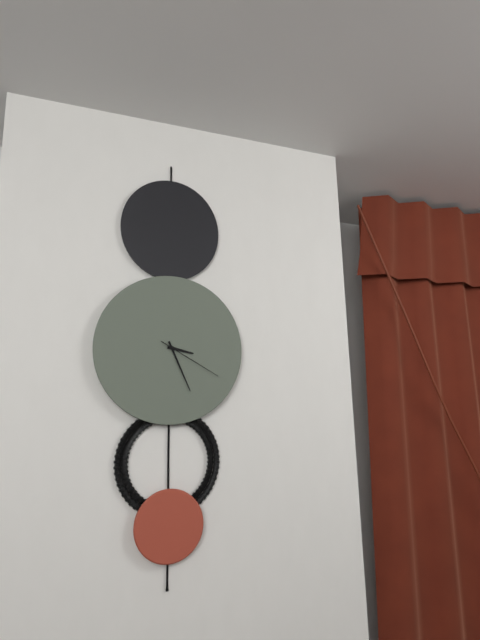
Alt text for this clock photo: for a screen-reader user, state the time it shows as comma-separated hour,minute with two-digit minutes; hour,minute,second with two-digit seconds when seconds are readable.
3,26,20
